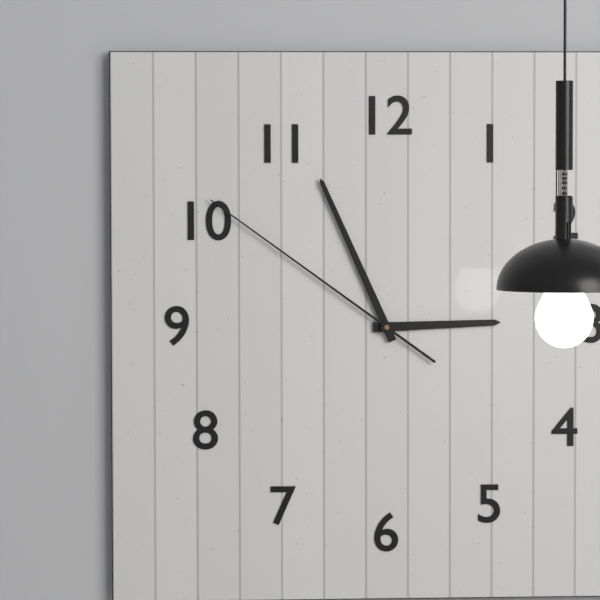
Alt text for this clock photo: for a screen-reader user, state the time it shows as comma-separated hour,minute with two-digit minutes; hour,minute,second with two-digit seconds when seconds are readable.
2,56,51
